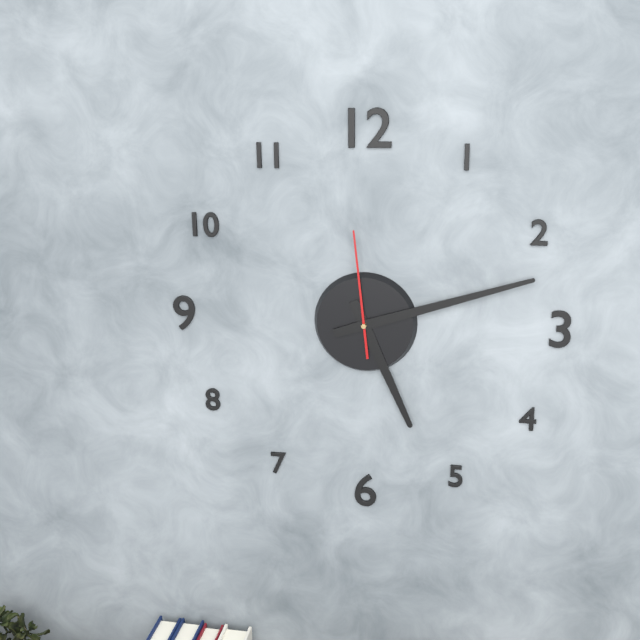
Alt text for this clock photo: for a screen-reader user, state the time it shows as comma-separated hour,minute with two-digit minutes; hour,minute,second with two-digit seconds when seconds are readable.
5,12,59
